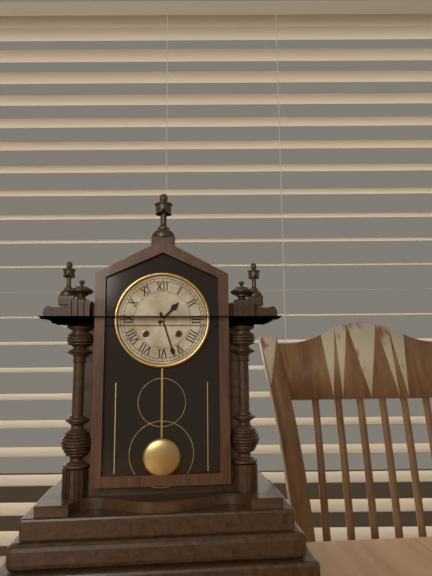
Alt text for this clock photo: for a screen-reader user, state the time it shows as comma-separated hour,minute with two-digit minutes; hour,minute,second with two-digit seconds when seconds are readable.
1,27
